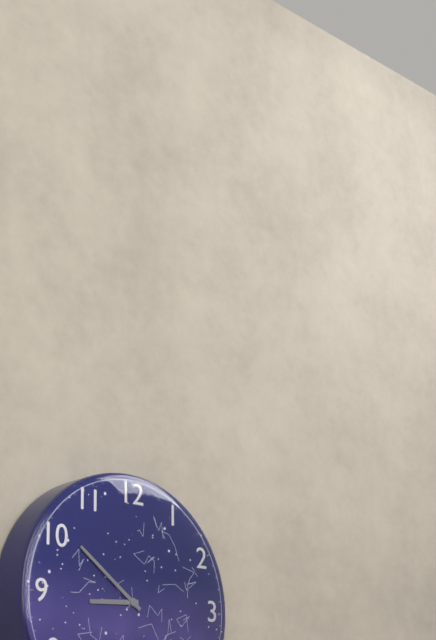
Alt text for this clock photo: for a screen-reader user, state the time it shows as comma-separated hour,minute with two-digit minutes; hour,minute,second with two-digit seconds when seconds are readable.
8,51
